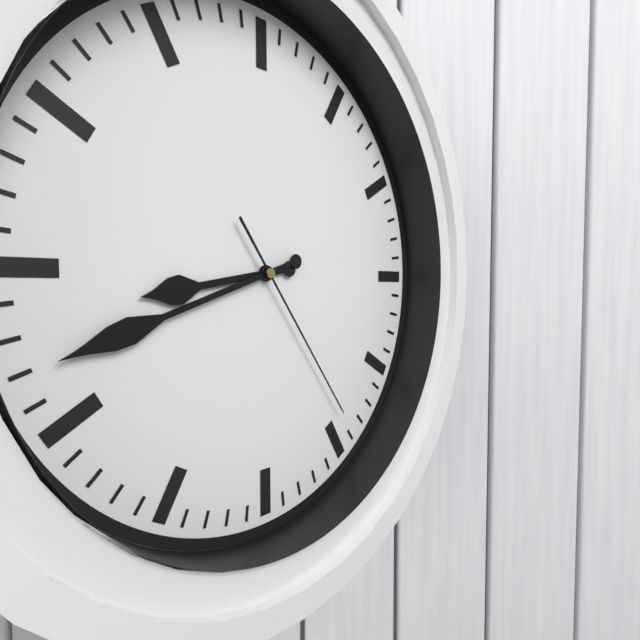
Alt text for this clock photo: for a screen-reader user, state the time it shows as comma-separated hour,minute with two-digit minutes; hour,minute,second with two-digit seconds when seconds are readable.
8,42,24
